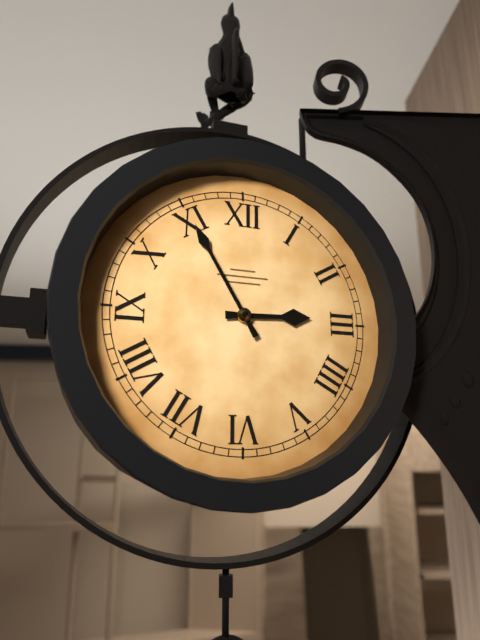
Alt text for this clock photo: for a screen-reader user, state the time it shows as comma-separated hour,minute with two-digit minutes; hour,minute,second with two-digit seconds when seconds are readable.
2,55
